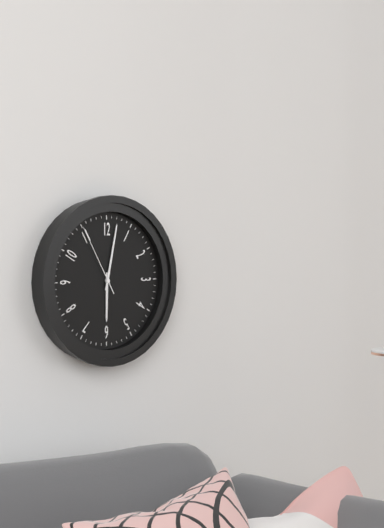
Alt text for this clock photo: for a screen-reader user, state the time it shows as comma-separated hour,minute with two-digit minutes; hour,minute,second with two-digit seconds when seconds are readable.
6,02,55
